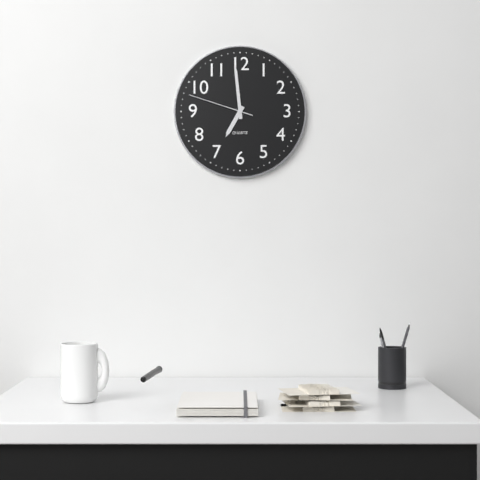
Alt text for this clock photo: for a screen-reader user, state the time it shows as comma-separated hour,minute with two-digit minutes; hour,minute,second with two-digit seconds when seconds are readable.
6,59,48
